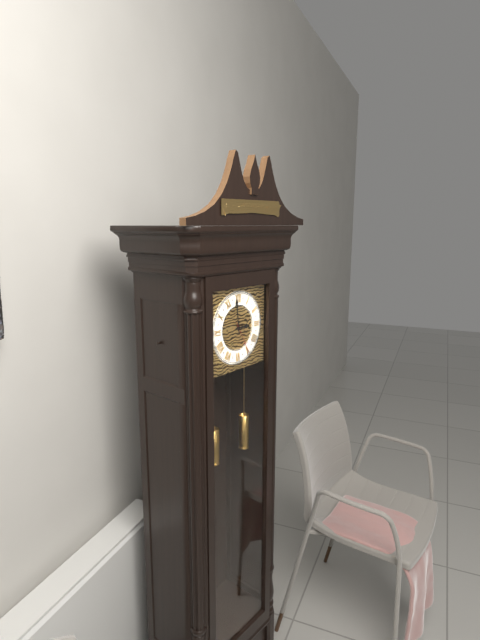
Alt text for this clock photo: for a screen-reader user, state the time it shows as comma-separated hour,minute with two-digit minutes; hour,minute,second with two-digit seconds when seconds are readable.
2,59
